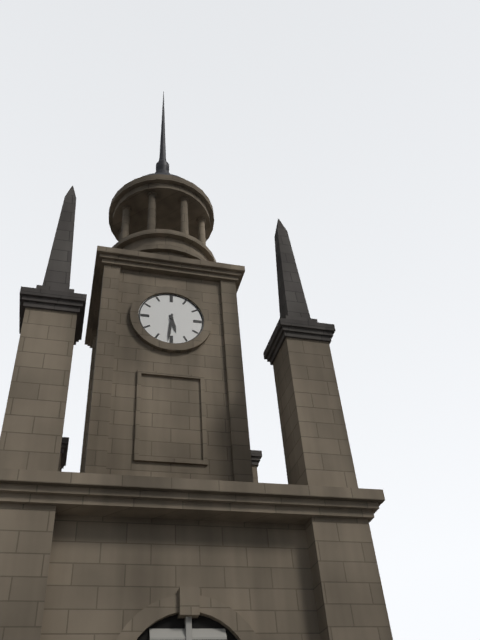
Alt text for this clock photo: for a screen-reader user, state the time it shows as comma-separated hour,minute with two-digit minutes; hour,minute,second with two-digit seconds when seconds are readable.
5,31
